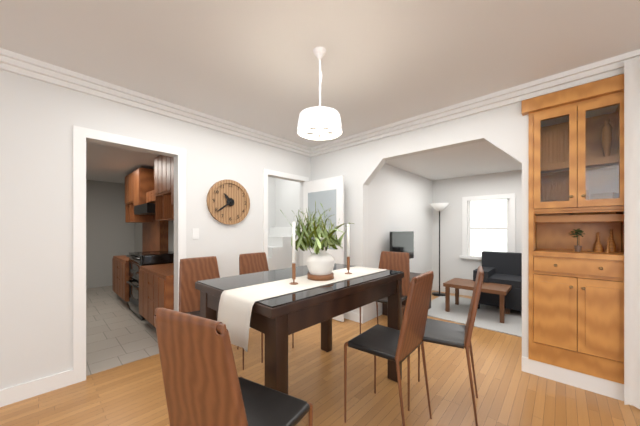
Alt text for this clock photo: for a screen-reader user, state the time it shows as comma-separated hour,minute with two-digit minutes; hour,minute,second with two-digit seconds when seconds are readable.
10,39
